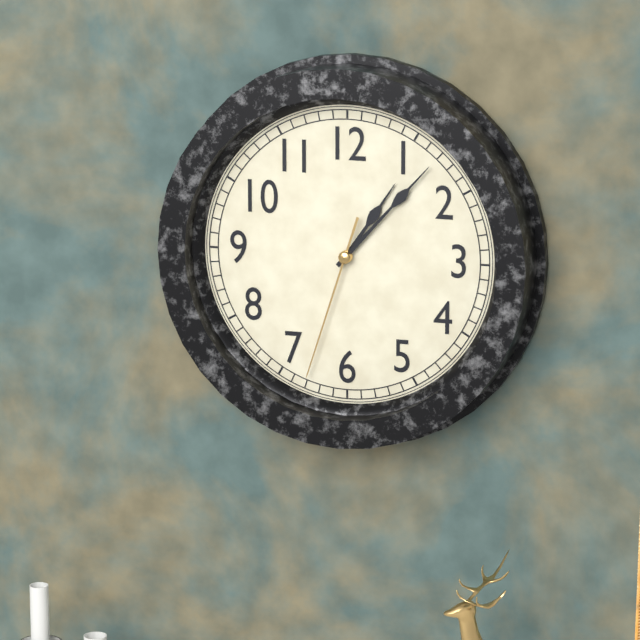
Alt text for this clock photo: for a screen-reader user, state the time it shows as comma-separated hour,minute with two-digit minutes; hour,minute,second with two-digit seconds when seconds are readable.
1,07,33
